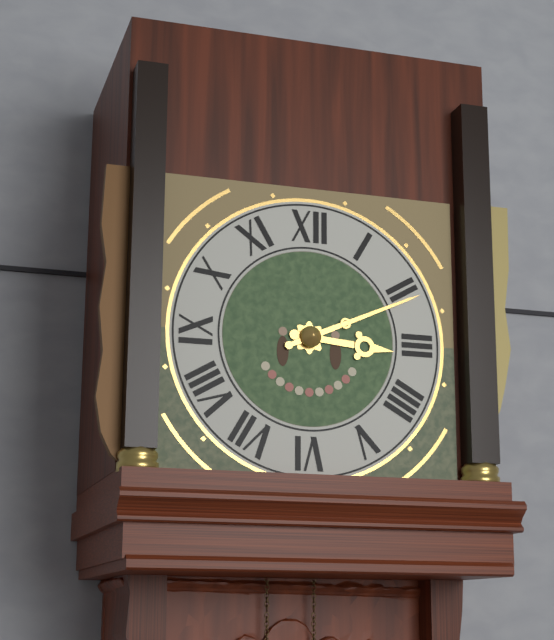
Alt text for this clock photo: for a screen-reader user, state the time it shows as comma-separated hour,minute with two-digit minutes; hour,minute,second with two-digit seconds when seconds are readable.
3,11
